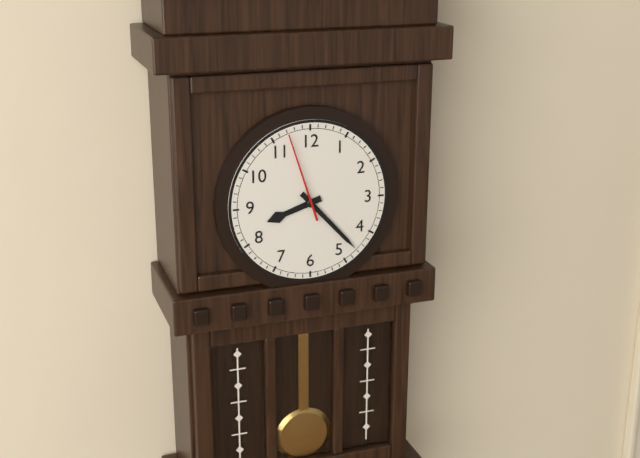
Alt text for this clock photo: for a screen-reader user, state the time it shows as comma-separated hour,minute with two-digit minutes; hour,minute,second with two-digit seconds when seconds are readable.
8,23,57
